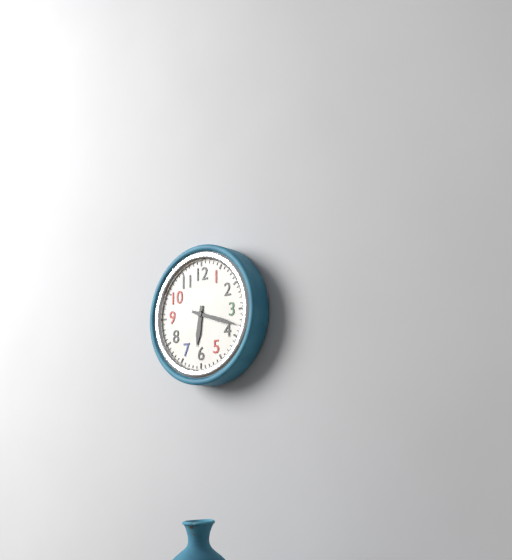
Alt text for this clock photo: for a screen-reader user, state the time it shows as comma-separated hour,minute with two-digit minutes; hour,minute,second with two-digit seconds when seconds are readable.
6,18
